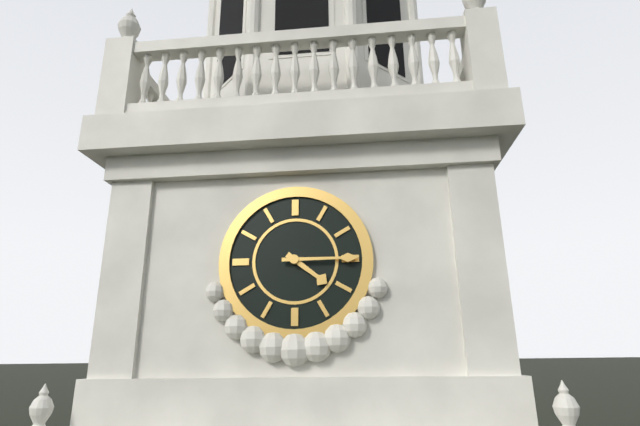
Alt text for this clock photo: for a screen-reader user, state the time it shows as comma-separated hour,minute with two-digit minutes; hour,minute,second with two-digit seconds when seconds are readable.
4,15
